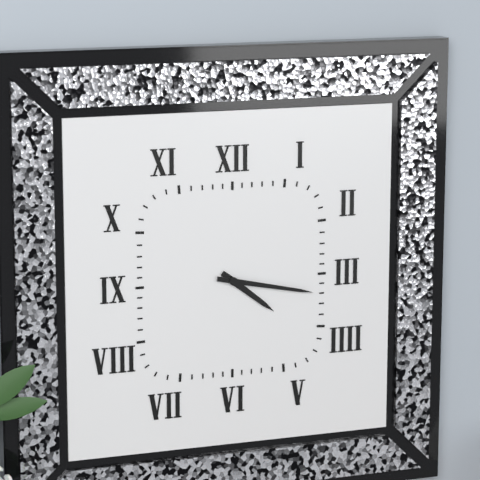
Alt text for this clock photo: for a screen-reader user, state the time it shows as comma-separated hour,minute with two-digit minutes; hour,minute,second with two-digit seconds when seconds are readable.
4,17
